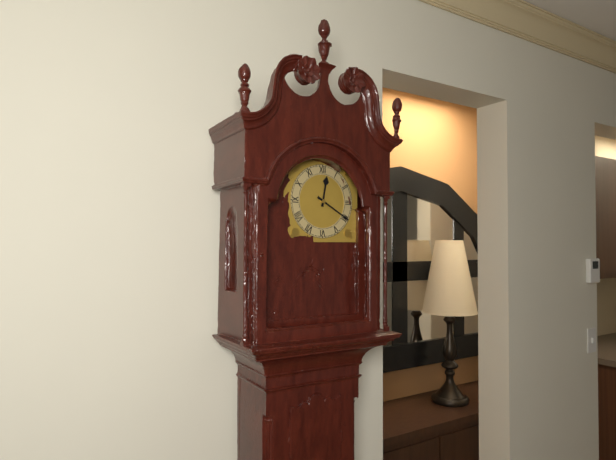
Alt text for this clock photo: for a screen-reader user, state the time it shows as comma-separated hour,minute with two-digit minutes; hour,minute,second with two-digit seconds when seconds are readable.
12,20
